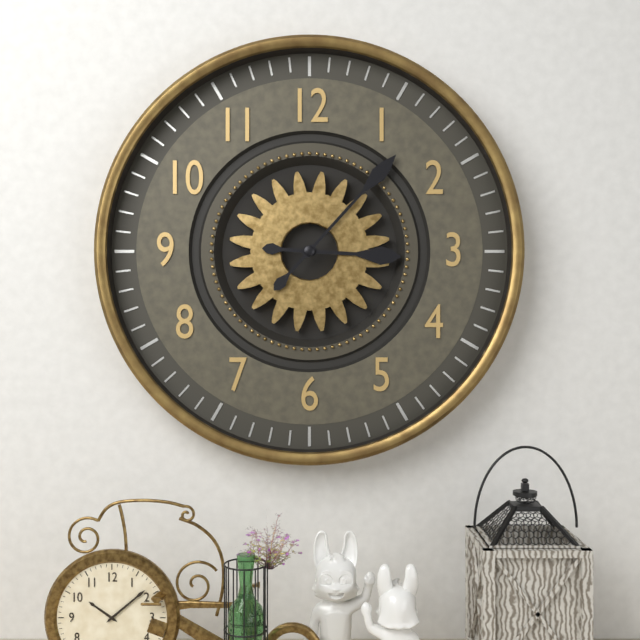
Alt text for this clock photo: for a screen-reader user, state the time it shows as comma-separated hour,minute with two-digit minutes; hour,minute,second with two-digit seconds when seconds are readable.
3,07
